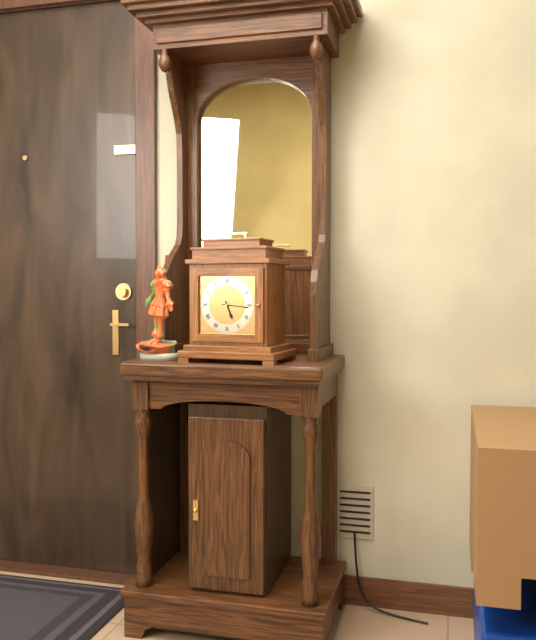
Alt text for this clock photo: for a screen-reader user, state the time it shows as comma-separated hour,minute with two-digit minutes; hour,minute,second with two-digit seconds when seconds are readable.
5,16
